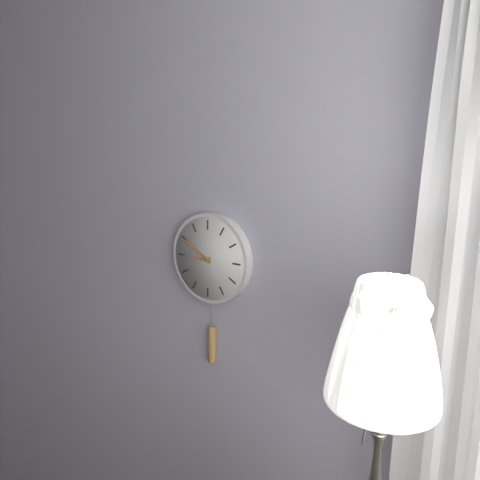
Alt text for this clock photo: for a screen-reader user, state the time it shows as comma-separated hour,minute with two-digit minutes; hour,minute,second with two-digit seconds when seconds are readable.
8,50
